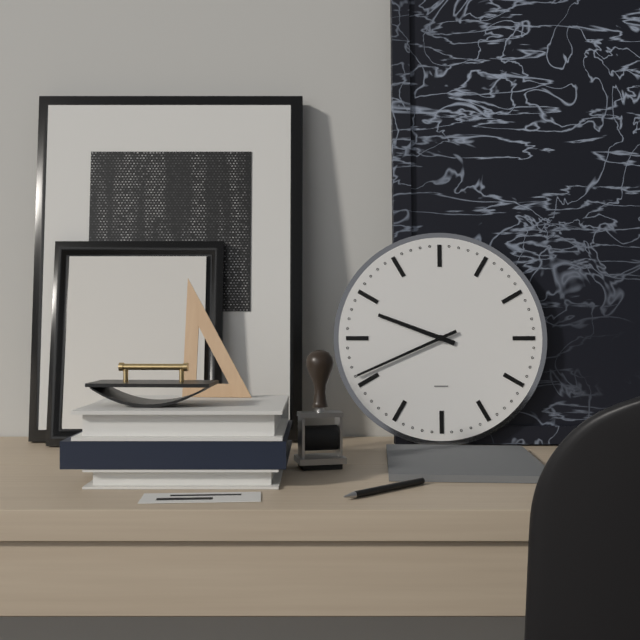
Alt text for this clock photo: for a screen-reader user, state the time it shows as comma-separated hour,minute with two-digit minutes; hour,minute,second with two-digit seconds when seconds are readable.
9,41
